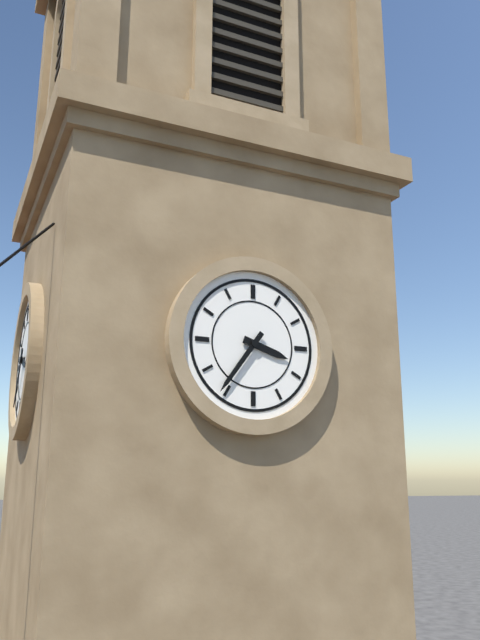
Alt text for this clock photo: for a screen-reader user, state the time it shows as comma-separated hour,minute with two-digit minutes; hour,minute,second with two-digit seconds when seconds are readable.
3,36
